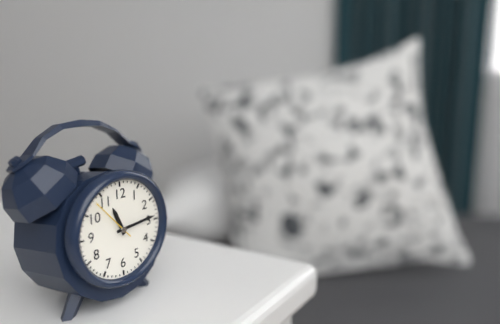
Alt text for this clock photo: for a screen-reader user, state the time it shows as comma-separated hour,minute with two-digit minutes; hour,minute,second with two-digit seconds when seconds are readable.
11,14
